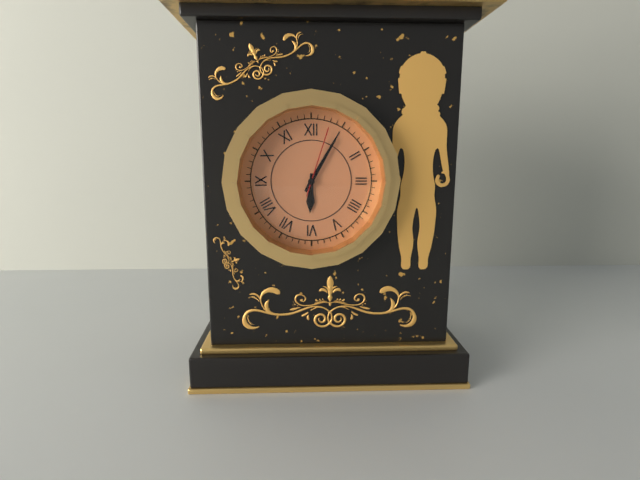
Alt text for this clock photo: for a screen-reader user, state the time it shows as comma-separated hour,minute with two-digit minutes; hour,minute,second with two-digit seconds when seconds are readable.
6,05,03
